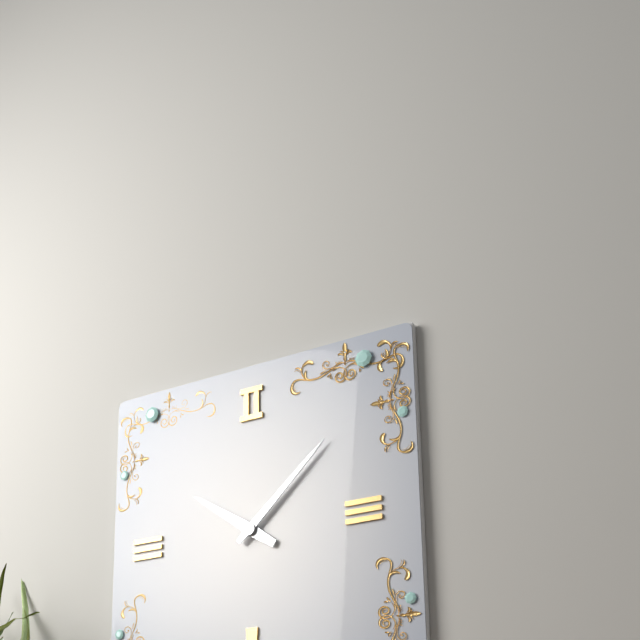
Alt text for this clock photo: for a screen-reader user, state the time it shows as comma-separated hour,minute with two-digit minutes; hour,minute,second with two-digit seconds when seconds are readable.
10,08
